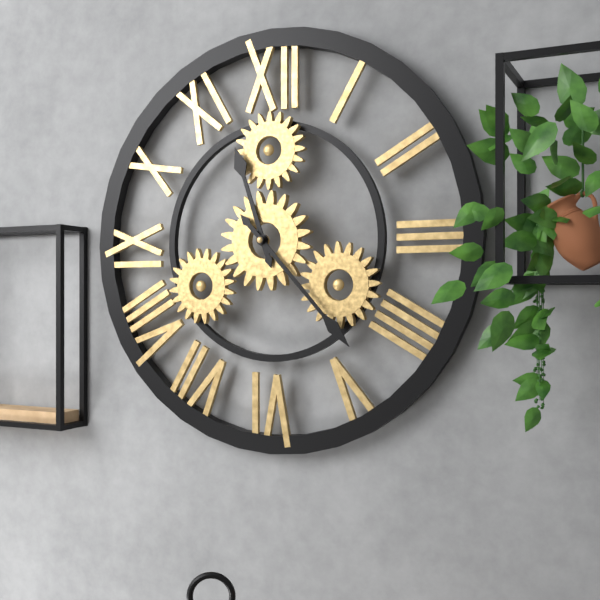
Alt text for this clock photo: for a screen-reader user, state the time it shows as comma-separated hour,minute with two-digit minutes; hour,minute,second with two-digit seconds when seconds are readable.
11,23
